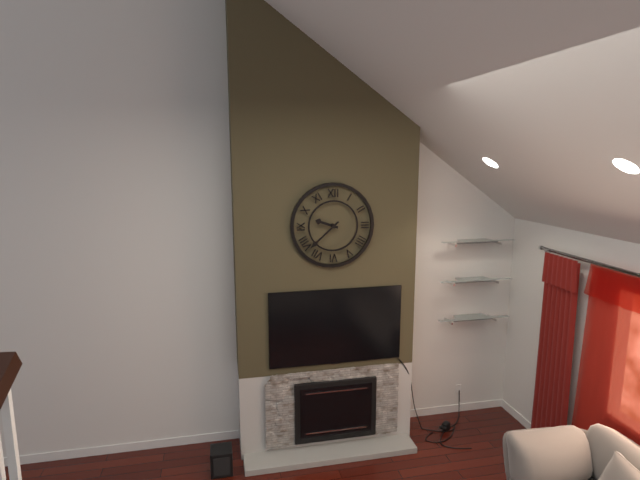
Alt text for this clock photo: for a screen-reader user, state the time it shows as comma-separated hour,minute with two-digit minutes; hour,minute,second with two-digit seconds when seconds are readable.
9,38
